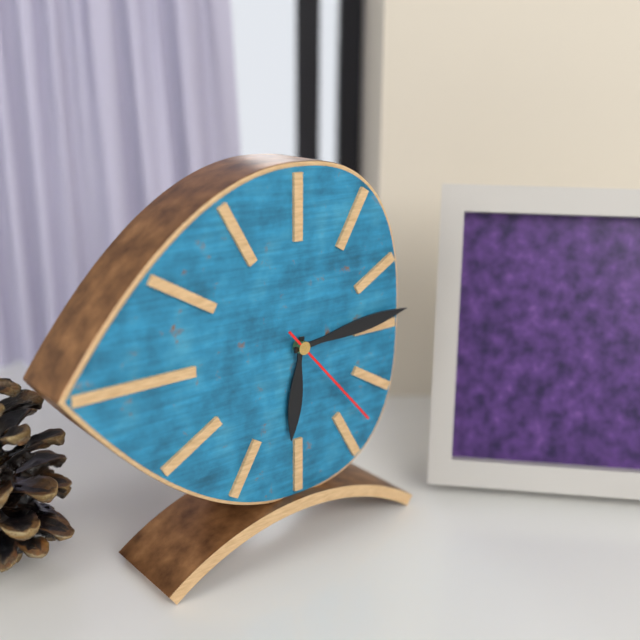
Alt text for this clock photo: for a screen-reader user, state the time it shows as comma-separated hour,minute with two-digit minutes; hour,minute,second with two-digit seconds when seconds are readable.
6,14,23
